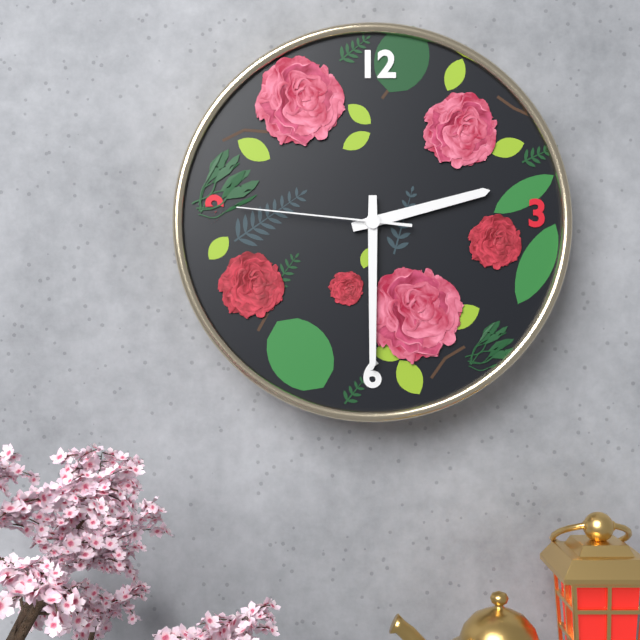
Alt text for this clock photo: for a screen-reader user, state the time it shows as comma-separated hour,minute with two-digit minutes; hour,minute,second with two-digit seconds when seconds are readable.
2,30,46
